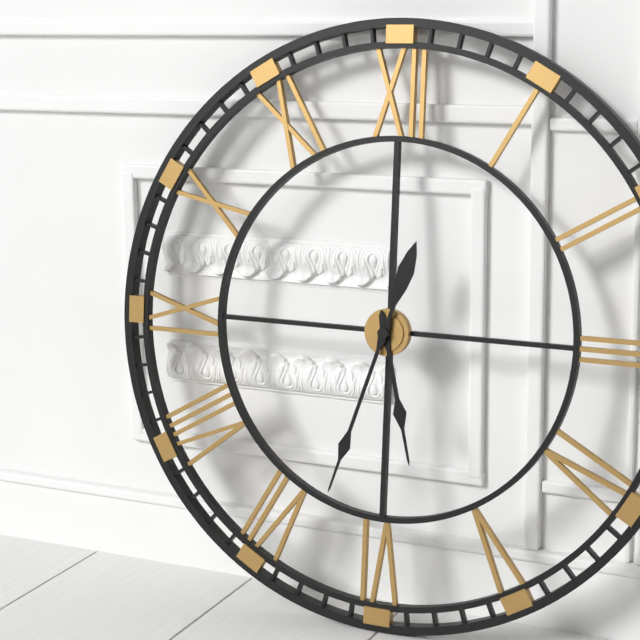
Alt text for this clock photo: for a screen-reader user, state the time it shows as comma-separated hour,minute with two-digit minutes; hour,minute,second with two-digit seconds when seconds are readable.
5,33
